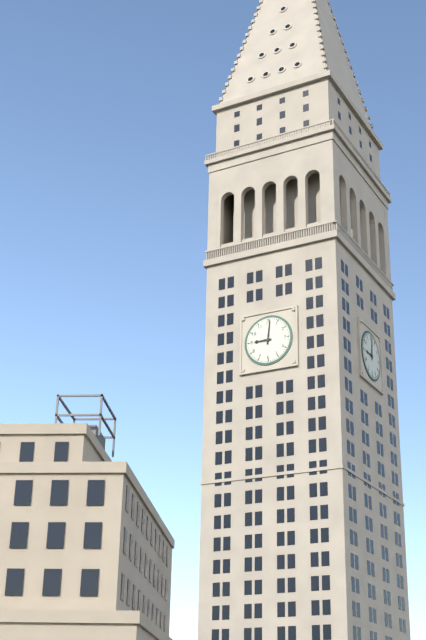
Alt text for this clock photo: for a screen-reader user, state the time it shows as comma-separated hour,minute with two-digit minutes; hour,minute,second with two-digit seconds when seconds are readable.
9,01
